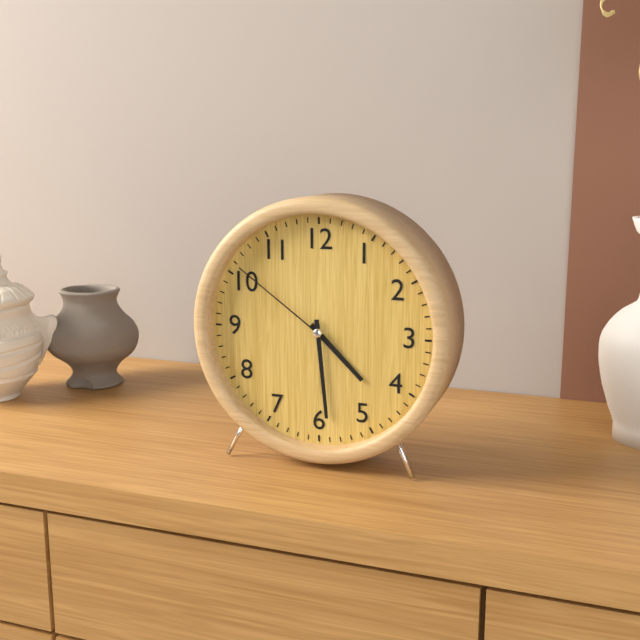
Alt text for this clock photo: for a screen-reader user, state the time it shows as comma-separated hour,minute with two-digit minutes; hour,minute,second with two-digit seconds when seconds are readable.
4,29,51
